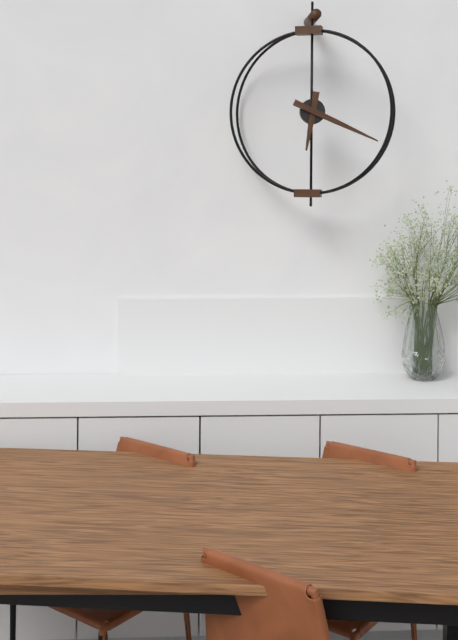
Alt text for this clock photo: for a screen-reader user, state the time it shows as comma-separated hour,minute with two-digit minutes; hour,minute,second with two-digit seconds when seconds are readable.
6,19
